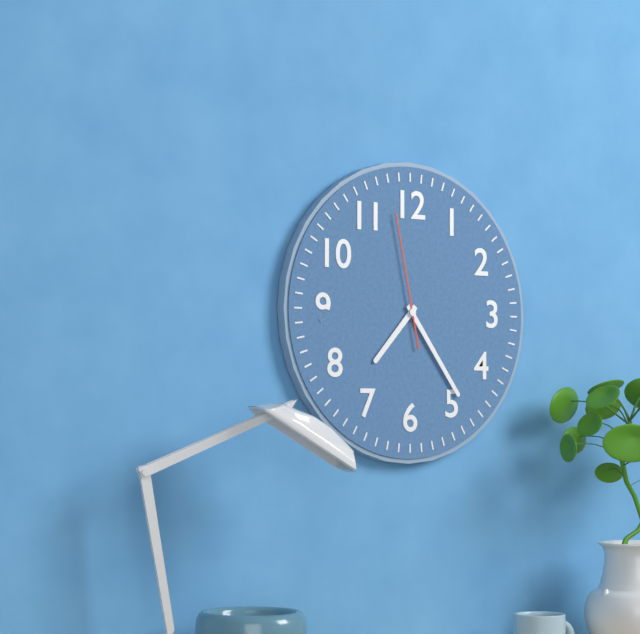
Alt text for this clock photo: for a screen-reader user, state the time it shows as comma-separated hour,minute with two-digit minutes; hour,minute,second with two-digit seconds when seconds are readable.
7,24,58
